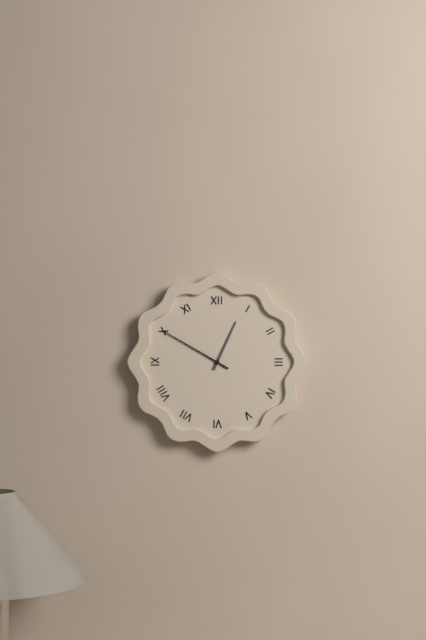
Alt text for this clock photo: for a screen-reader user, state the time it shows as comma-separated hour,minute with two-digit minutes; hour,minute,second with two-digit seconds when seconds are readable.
12,50
